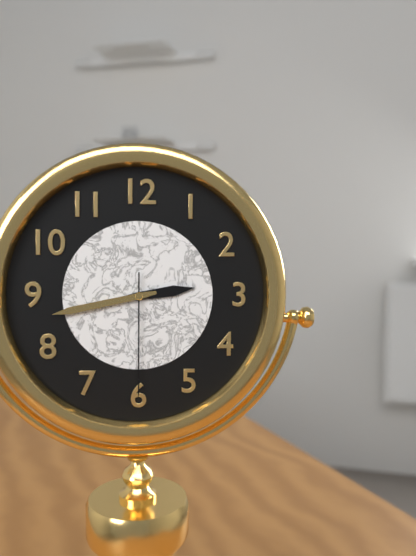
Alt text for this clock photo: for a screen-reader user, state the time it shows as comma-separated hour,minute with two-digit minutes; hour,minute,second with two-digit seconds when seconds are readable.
2,43,30
